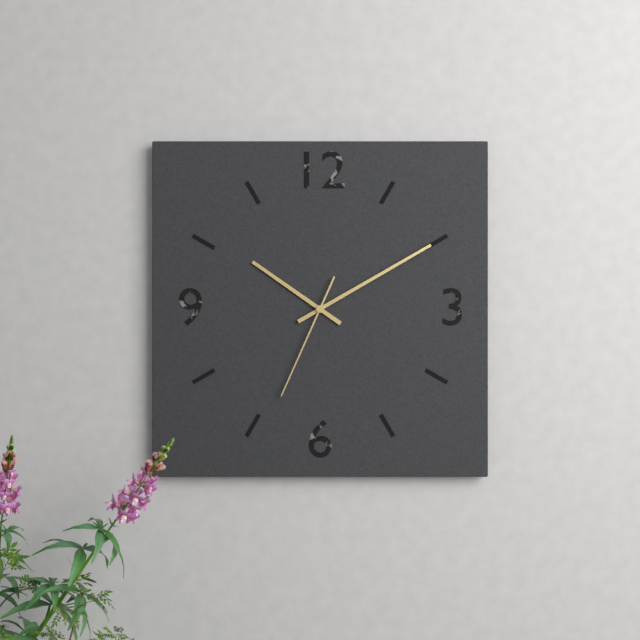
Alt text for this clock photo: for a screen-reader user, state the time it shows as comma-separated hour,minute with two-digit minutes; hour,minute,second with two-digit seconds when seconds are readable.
10,10,34
